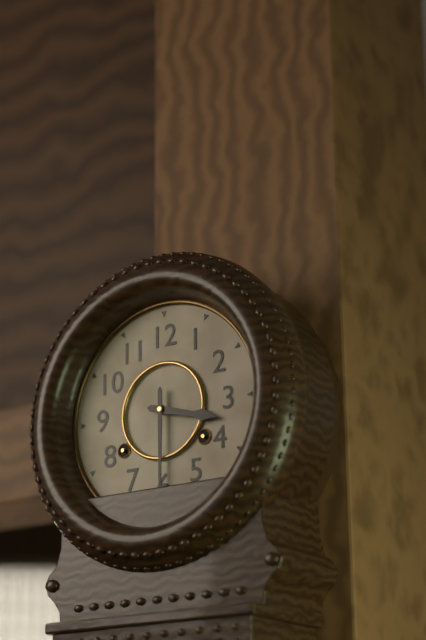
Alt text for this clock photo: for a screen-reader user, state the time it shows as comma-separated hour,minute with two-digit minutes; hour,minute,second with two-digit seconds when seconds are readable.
3,30
